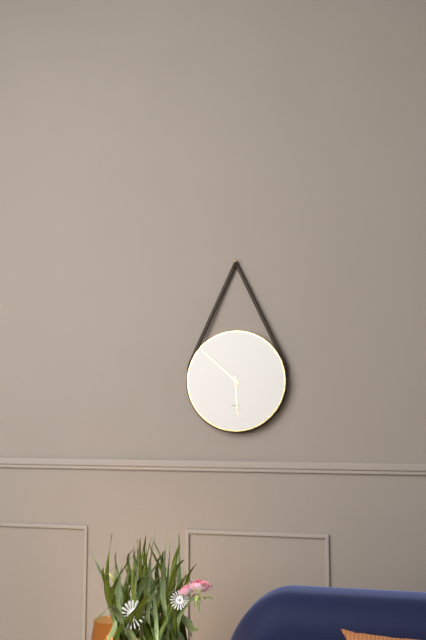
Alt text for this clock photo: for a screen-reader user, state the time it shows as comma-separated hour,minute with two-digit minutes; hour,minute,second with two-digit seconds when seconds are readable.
5,52
